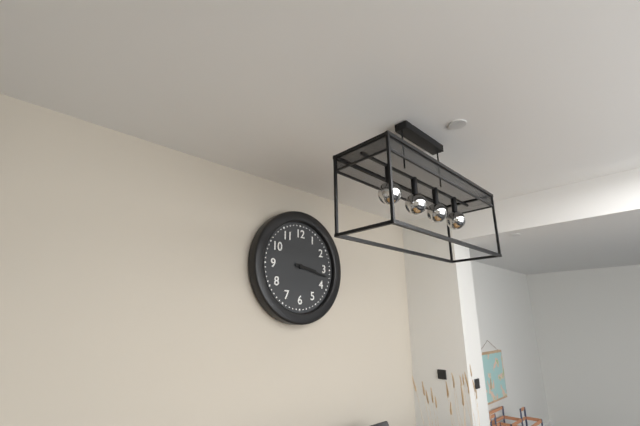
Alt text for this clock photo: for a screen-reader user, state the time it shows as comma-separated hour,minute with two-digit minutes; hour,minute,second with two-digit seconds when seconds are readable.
3,17
